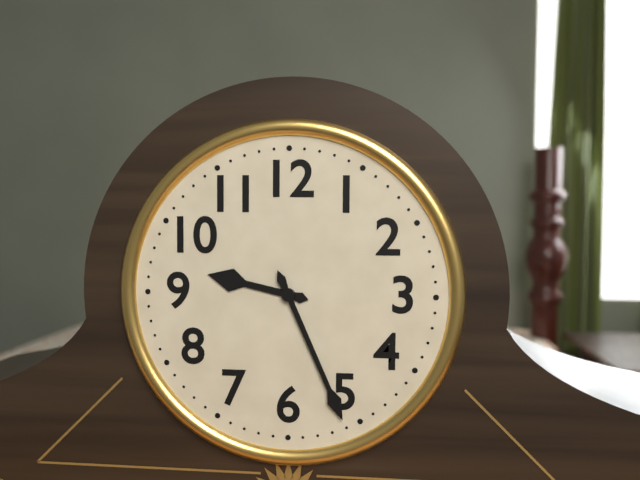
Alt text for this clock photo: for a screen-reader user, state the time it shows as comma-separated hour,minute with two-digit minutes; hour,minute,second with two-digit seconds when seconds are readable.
9,26
